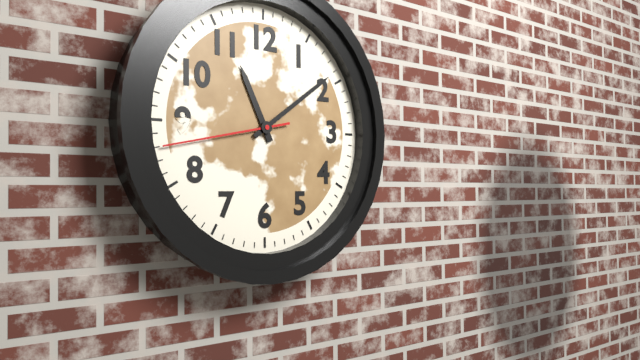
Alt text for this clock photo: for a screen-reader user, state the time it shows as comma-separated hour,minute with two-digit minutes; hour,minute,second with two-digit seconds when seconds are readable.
11,09,43
